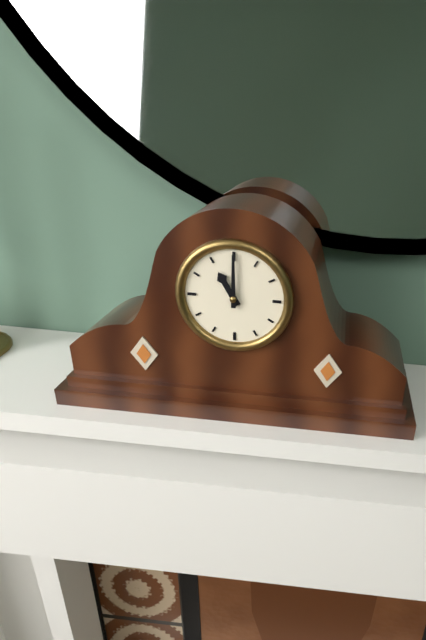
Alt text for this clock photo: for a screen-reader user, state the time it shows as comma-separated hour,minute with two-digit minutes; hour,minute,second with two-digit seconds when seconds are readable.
11,00
